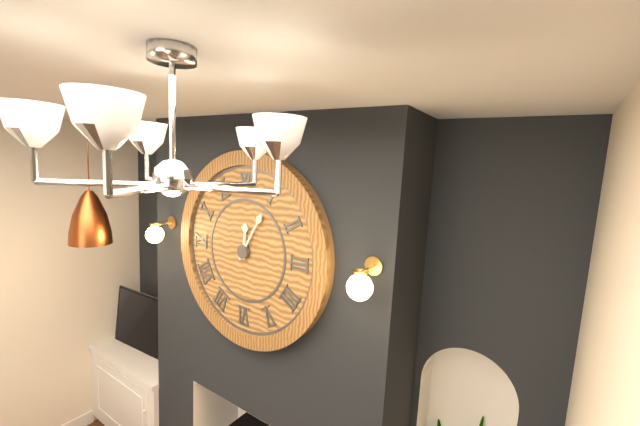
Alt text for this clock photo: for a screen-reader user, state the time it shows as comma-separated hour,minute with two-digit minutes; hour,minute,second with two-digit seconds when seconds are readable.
12,05
